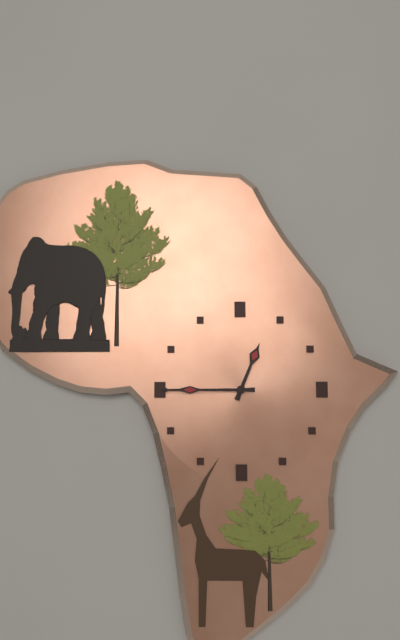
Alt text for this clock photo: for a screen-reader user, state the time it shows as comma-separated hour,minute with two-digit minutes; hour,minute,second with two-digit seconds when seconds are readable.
12,45
